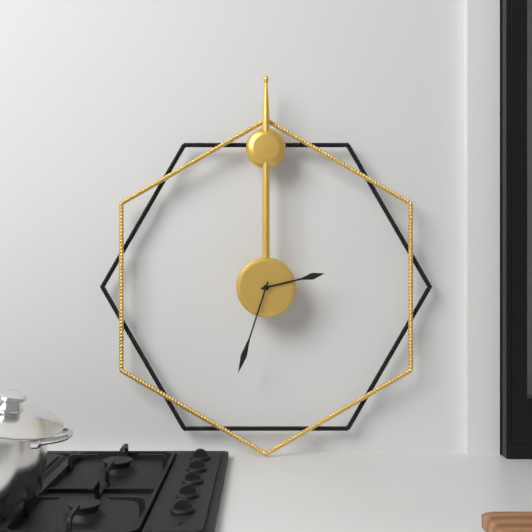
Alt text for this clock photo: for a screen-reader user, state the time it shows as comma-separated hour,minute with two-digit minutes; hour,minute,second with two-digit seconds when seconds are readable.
2,33
